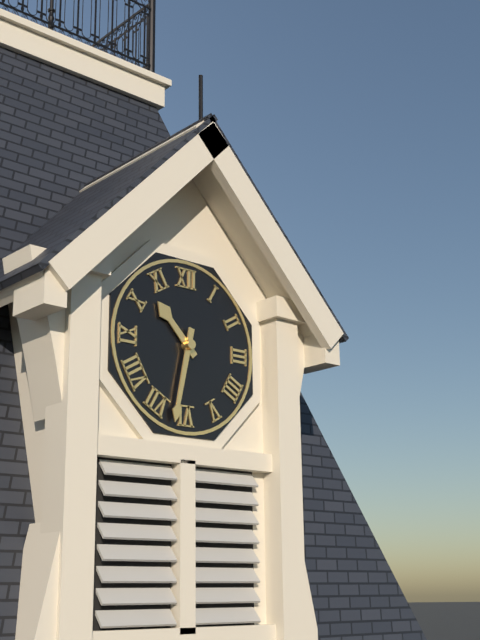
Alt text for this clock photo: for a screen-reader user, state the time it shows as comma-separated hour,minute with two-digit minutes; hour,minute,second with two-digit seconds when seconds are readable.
10,32
